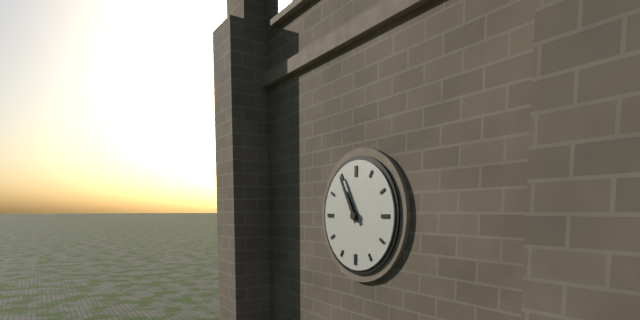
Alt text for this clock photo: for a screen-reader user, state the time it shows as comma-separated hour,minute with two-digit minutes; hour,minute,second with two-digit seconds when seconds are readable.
10,55
